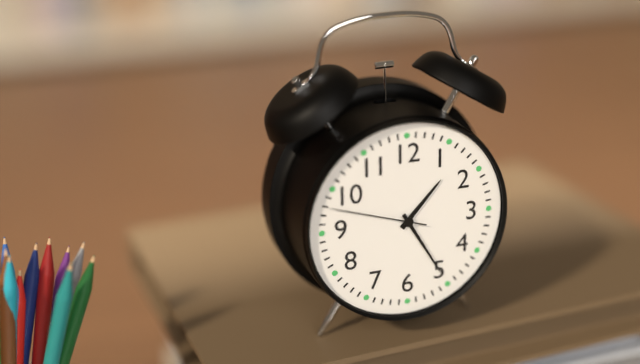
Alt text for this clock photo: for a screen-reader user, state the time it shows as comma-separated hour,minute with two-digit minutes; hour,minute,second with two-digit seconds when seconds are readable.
1,25,48
